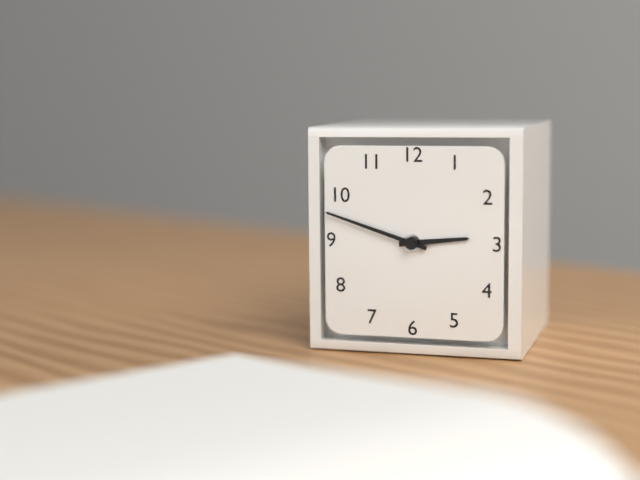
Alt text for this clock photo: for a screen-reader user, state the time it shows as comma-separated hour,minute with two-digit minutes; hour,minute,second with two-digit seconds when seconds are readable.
2,48
